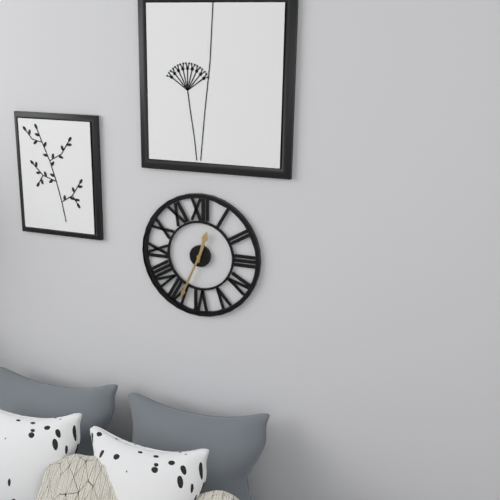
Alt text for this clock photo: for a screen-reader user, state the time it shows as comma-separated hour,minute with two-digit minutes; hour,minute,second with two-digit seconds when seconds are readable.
12,34
